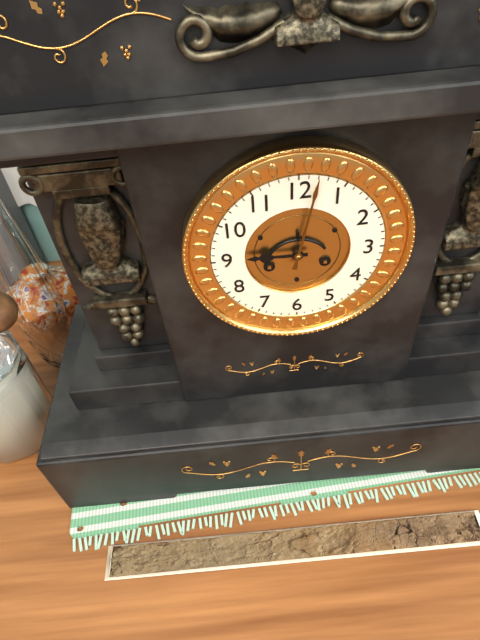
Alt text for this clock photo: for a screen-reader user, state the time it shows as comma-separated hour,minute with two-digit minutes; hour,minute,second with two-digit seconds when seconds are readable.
9,02
